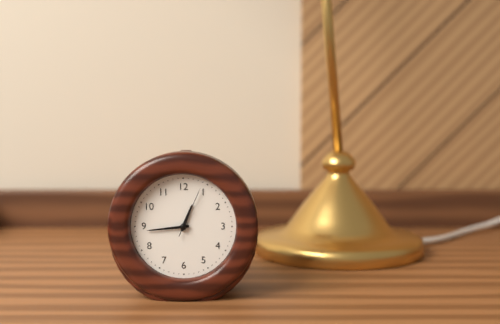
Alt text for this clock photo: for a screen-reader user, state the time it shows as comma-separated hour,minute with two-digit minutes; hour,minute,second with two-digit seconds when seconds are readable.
12,44,04
